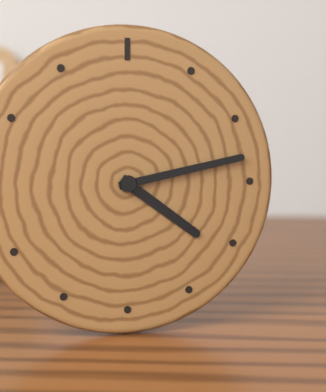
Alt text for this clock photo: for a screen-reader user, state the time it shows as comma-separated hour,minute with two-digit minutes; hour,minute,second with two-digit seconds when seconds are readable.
4,13
